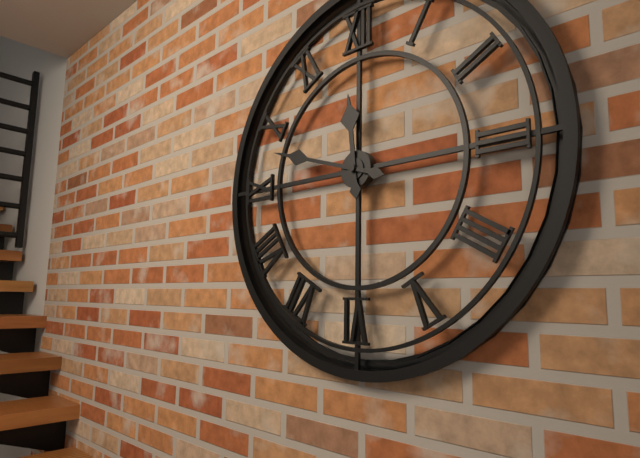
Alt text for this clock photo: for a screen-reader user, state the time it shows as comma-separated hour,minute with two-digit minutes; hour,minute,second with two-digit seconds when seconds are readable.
11,48
